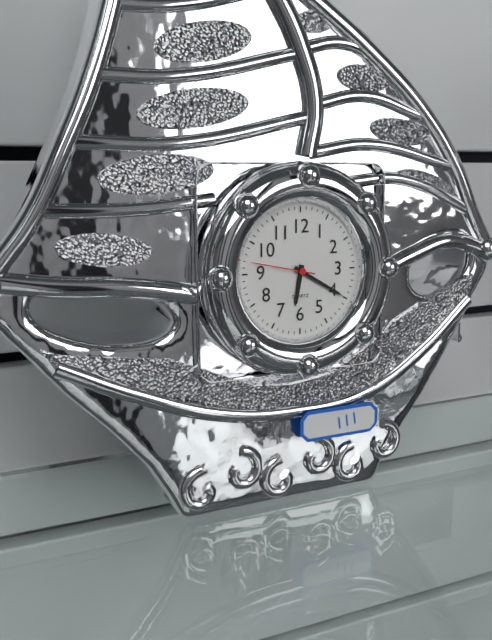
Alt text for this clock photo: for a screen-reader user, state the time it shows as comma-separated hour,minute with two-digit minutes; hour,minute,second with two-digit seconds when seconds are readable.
6,20,47
